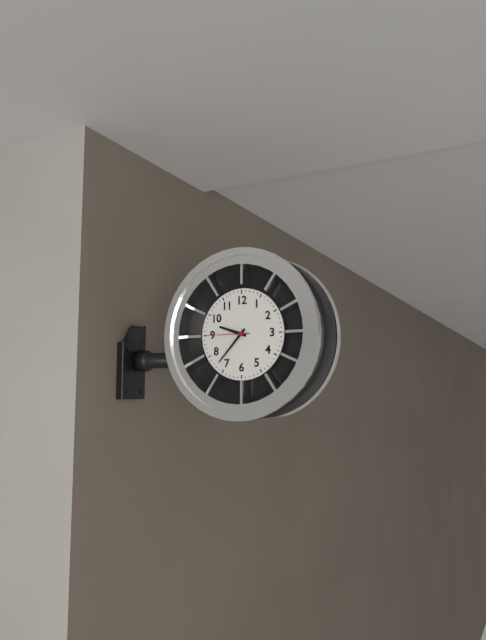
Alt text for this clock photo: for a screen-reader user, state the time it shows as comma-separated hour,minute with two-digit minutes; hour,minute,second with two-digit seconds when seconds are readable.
9,37,45
